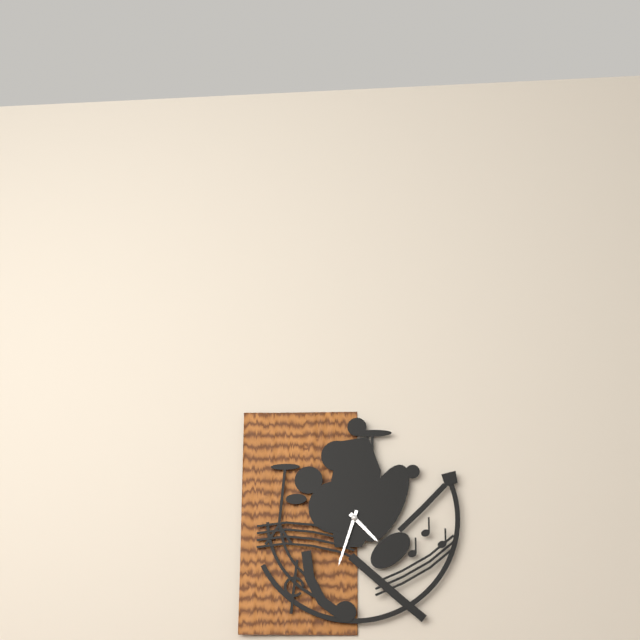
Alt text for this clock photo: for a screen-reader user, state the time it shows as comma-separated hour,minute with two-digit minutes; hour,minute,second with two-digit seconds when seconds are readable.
4,33
